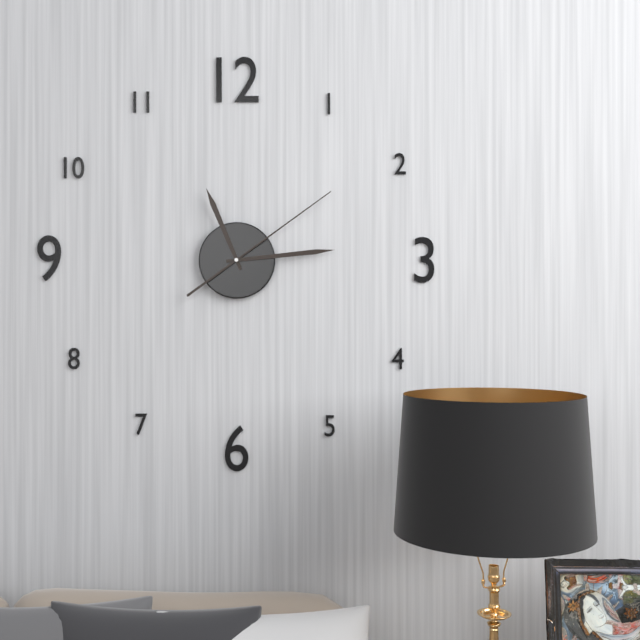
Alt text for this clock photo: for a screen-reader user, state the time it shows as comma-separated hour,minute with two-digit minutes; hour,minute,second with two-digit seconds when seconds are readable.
11,14,09
